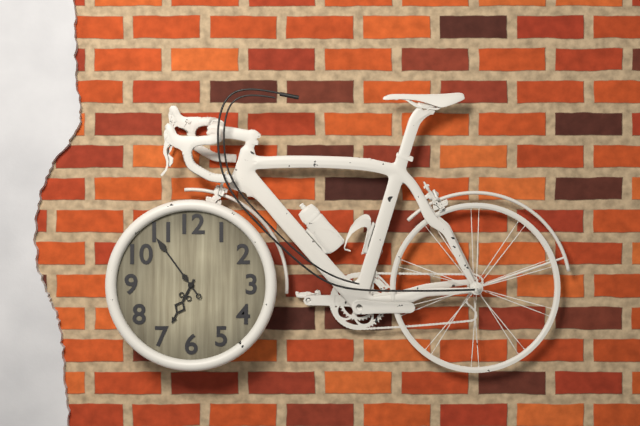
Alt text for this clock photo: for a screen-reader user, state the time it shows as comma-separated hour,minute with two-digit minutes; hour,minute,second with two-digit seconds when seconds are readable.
6,54
